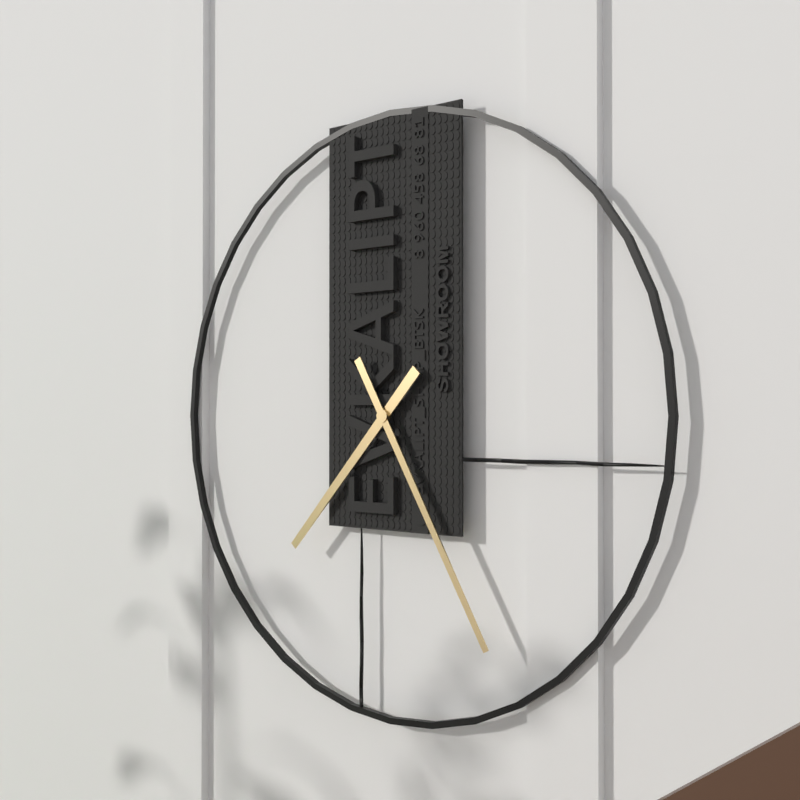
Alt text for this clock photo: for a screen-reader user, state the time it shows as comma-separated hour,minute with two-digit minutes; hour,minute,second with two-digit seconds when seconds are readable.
7,25
